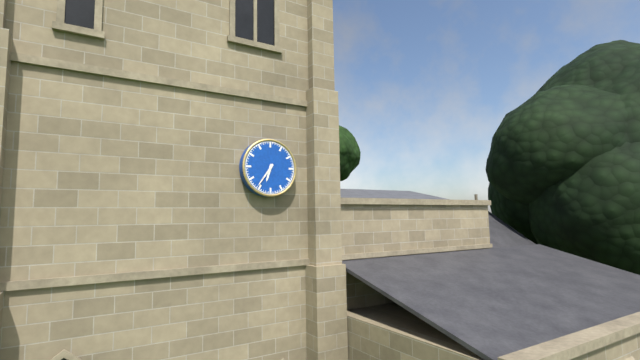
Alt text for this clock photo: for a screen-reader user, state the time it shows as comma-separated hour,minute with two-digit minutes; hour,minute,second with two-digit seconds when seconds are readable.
6,36
